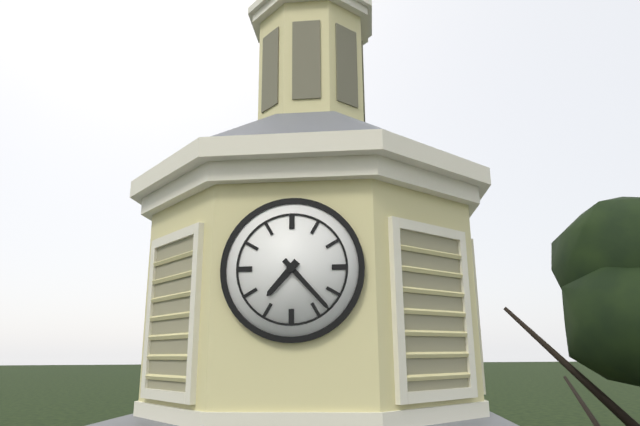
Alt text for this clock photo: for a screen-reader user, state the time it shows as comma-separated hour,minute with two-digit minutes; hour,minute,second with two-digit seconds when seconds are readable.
7,23
